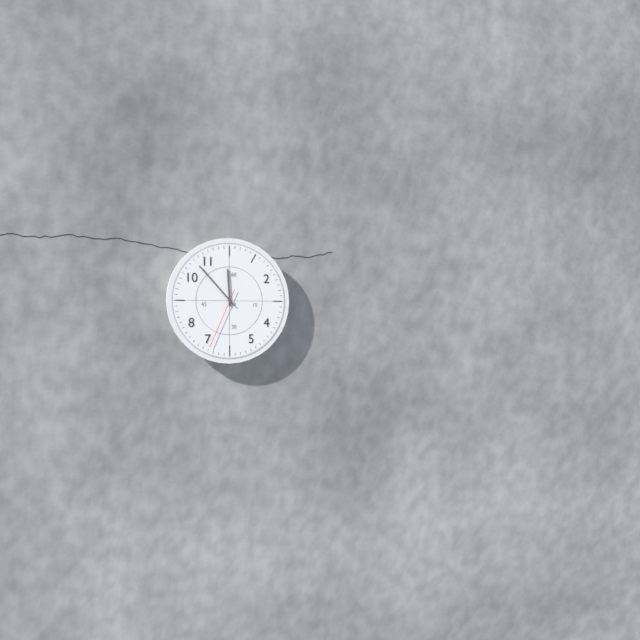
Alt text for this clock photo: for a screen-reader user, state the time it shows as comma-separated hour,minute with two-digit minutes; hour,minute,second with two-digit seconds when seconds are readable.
11,53,34
